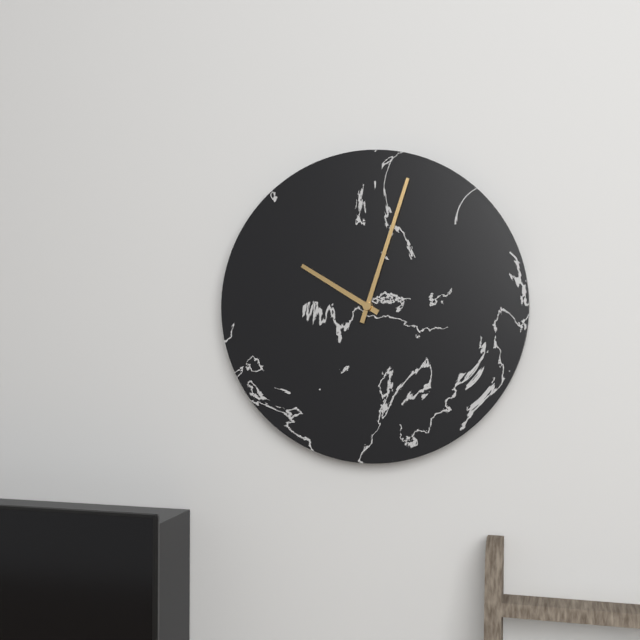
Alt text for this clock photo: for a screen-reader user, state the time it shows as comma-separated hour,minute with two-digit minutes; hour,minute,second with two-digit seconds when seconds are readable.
10,03
